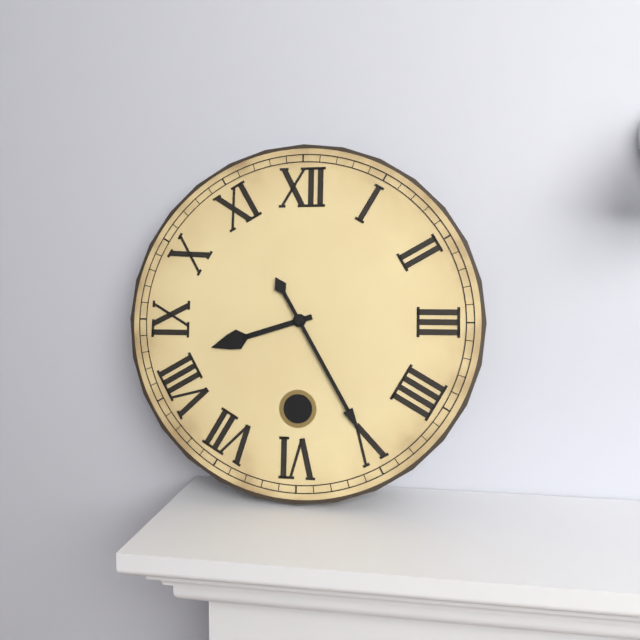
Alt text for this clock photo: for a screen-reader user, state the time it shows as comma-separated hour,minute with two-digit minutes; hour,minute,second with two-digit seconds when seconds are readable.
8,25
